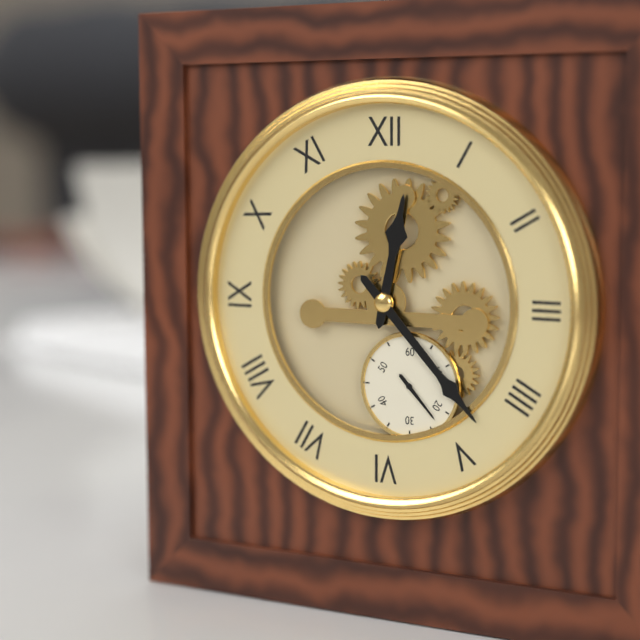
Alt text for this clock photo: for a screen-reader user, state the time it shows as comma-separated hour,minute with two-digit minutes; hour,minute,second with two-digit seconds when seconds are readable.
12,23,23
